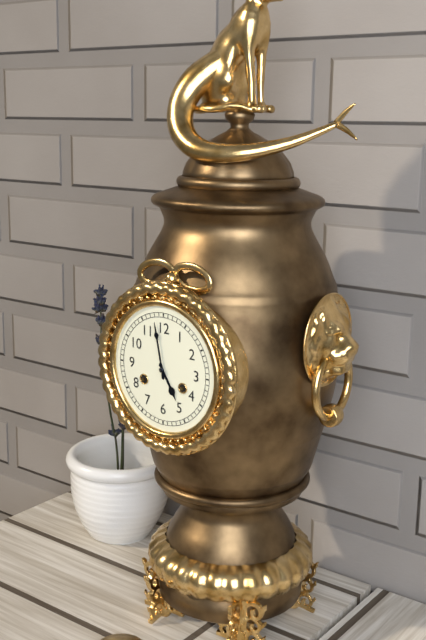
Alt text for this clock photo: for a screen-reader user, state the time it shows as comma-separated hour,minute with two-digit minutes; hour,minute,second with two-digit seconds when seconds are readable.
4,58
